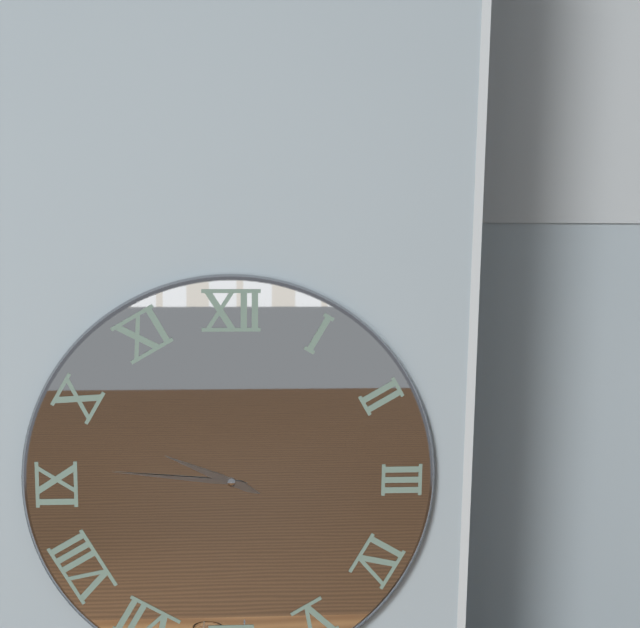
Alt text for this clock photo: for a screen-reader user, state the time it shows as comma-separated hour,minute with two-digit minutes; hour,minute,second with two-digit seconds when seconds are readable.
9,46
